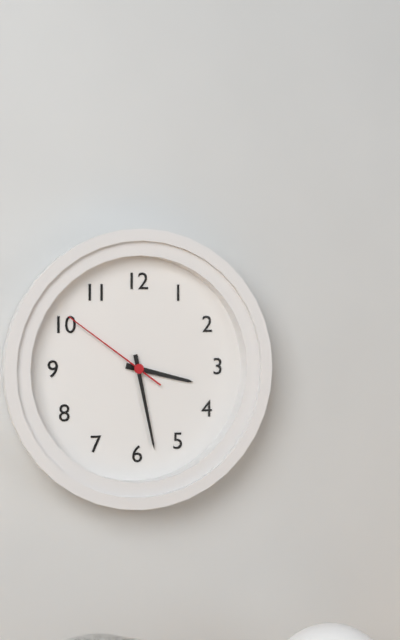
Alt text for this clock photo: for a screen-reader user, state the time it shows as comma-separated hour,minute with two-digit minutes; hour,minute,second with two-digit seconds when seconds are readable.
3,28,51
